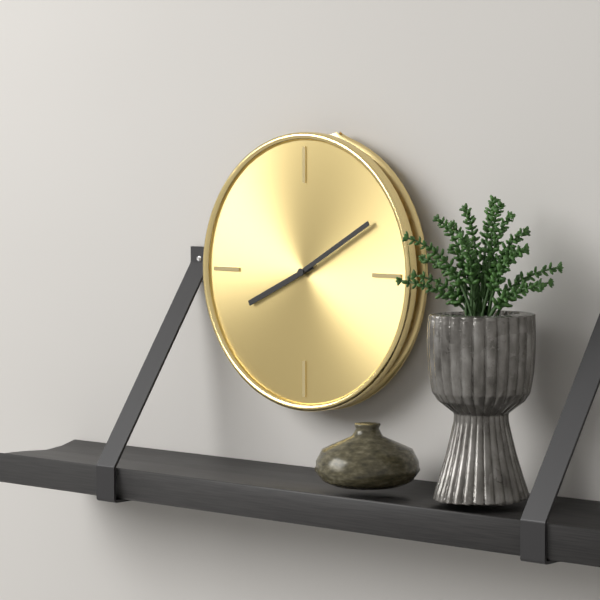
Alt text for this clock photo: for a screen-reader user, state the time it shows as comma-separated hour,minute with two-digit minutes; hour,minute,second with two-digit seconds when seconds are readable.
8,10
